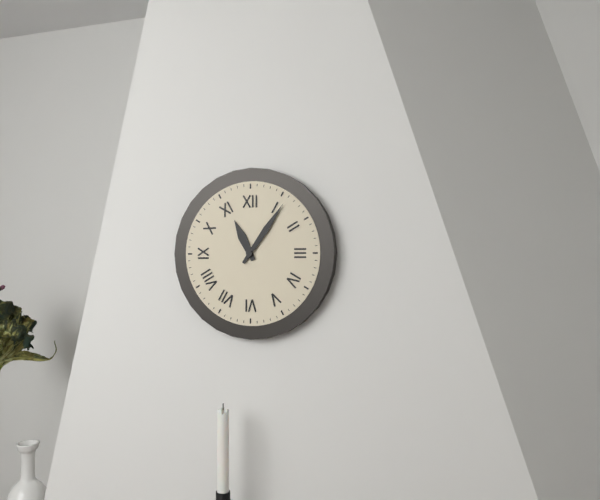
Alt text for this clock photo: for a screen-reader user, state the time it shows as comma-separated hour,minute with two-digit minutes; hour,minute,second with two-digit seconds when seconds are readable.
11,06
